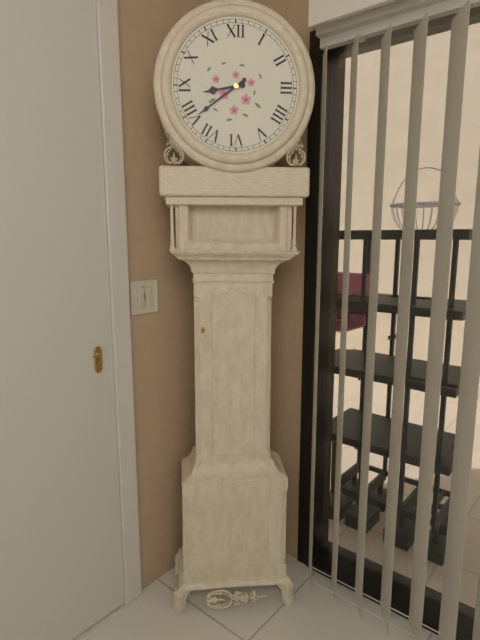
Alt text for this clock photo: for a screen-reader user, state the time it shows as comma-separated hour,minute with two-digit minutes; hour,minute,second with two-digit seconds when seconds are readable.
8,39
